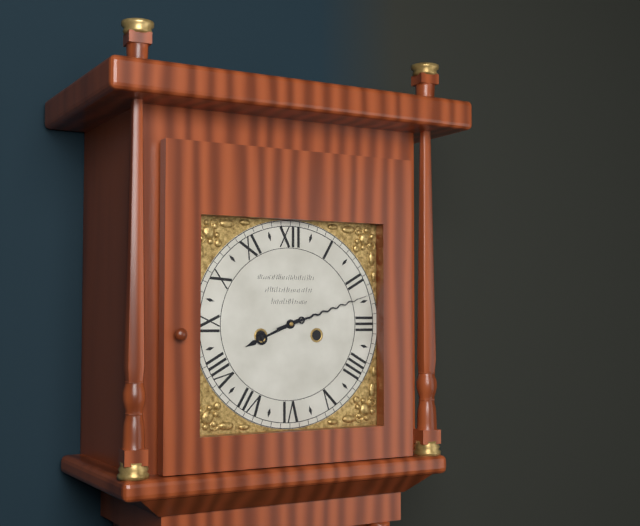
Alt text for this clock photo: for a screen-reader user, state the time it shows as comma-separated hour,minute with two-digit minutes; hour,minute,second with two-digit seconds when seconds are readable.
8,12
